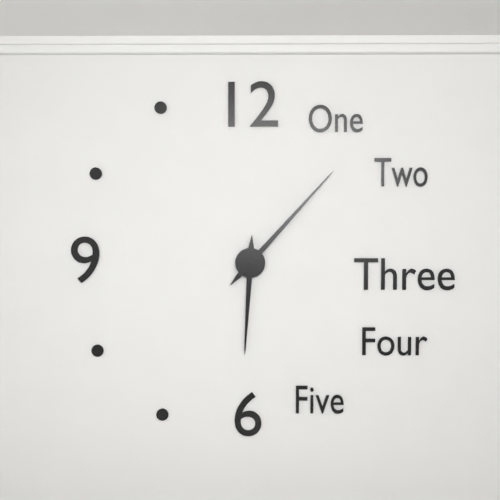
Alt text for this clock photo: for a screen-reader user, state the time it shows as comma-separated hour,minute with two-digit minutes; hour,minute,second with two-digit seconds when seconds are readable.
6,07
